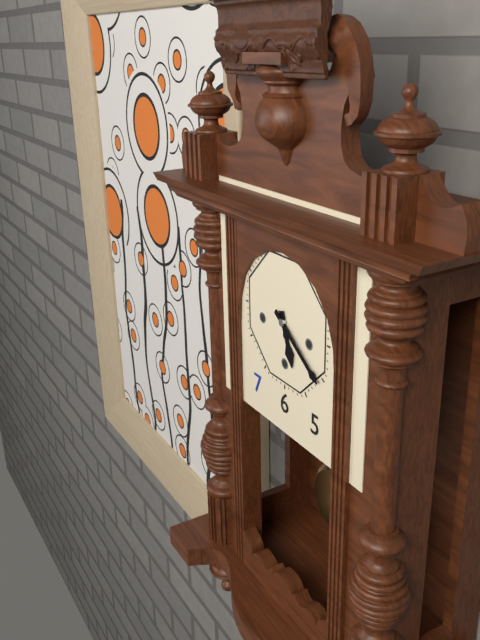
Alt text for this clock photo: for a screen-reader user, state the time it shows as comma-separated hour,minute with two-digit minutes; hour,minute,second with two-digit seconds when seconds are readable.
5,21
